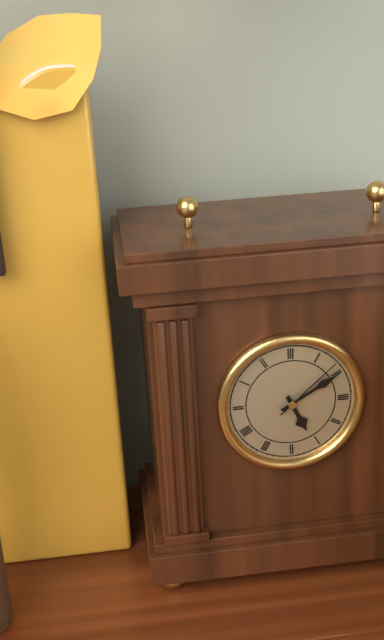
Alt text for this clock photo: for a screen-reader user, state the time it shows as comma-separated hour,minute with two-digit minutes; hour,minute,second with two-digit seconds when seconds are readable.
5,10,08
